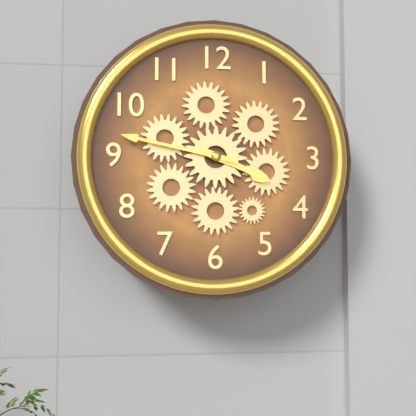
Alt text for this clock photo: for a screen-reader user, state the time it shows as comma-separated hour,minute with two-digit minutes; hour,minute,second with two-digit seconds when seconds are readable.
3,47
